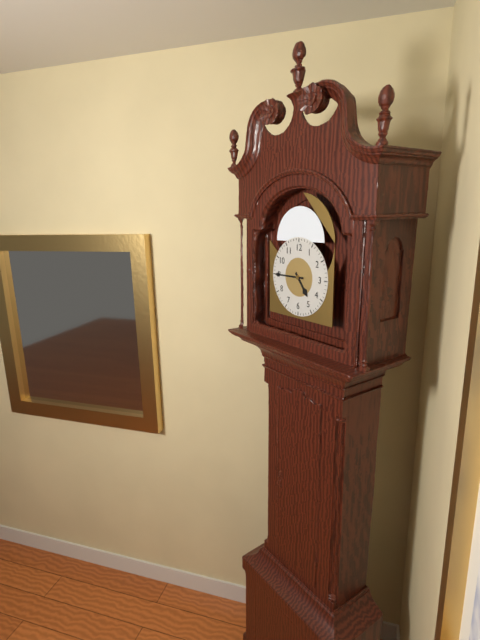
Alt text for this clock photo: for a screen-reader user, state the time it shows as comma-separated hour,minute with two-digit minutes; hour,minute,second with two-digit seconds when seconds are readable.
4,45
